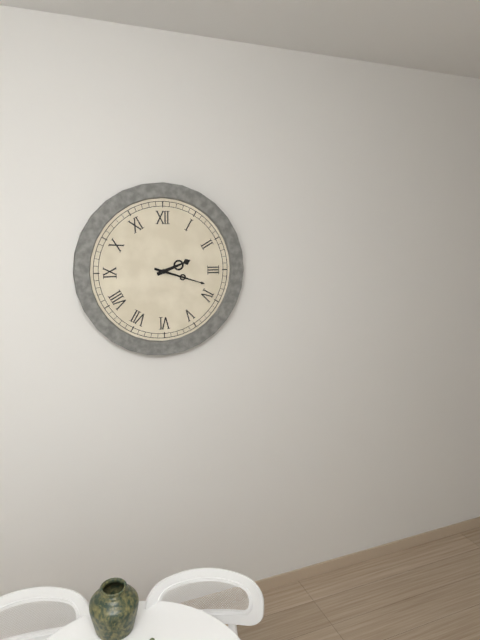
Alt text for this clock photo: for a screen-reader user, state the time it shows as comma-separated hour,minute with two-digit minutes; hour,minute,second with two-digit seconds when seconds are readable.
2,18
